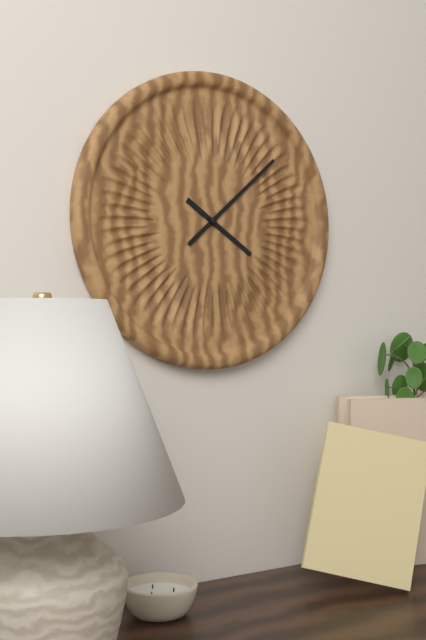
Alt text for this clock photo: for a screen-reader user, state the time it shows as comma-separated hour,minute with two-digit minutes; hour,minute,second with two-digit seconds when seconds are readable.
4,08
